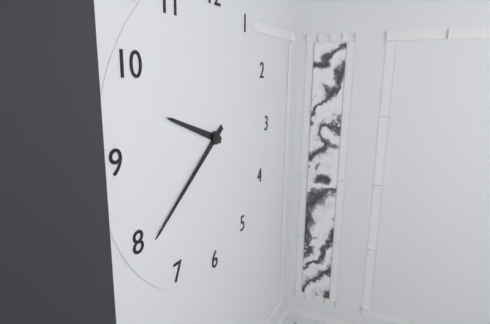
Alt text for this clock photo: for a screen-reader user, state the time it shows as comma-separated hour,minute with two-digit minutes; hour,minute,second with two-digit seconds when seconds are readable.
9,39
